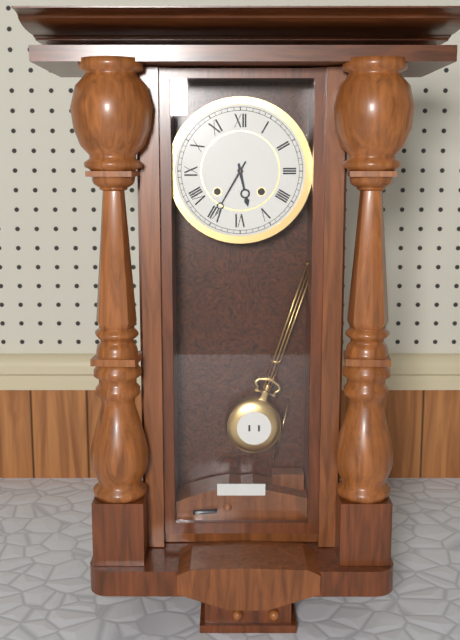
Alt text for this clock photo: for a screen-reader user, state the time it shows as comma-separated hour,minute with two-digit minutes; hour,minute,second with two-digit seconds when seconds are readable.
5,35
